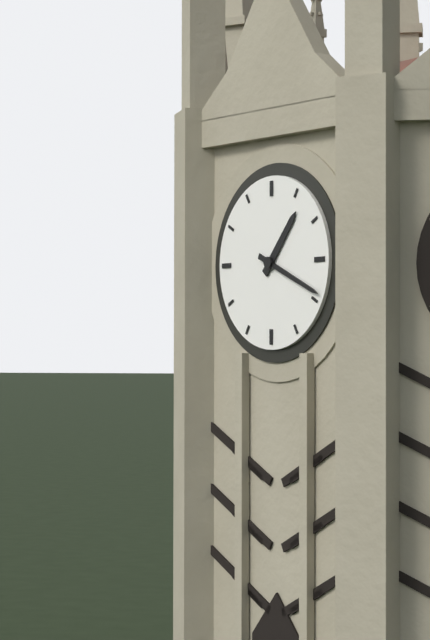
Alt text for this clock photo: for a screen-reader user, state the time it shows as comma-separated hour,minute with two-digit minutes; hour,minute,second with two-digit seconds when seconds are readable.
1,19
